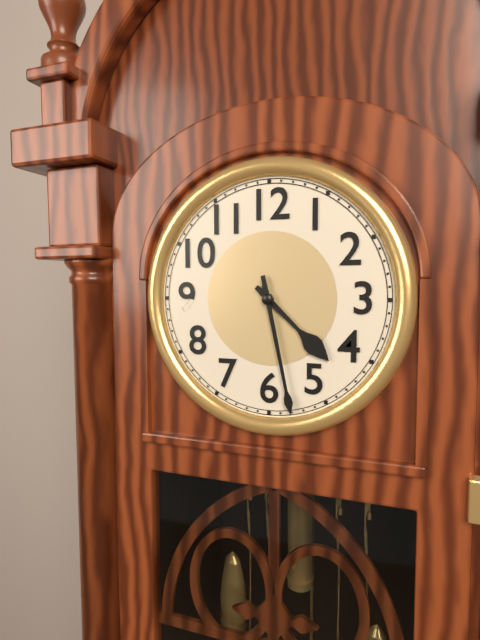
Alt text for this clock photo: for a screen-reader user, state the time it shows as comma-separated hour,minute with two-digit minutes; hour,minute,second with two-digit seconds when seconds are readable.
4,28
